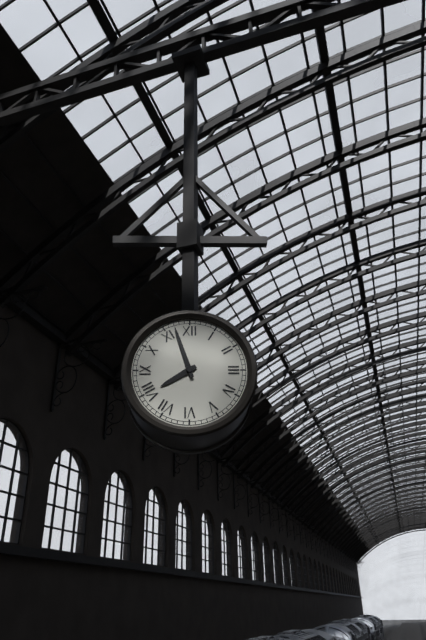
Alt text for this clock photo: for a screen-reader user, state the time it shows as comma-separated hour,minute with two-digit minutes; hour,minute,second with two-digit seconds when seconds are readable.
7,57
